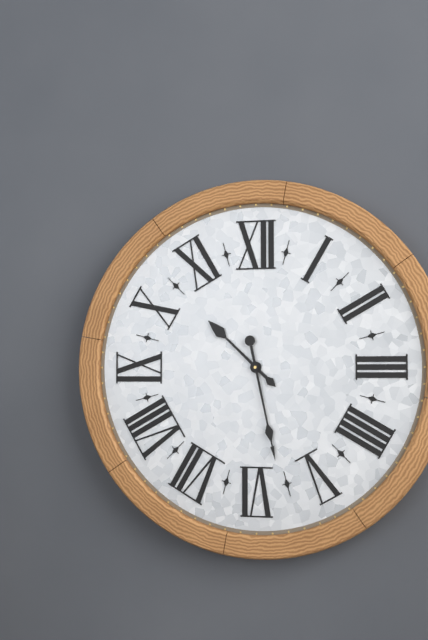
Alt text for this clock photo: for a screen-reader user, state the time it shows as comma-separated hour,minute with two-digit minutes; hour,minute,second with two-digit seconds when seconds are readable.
10,28
